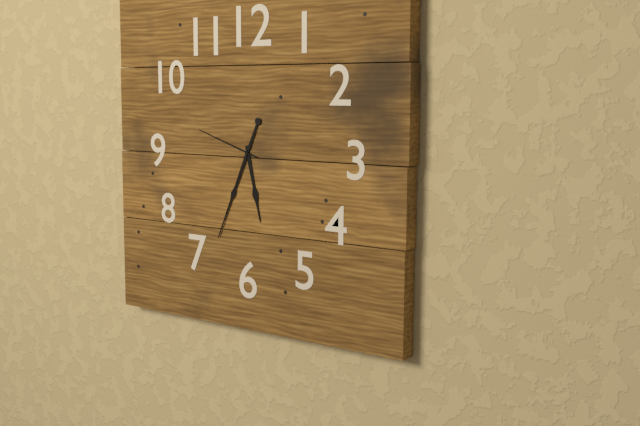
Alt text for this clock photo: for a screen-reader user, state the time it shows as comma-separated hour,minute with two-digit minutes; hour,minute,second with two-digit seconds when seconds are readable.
5,34,48
